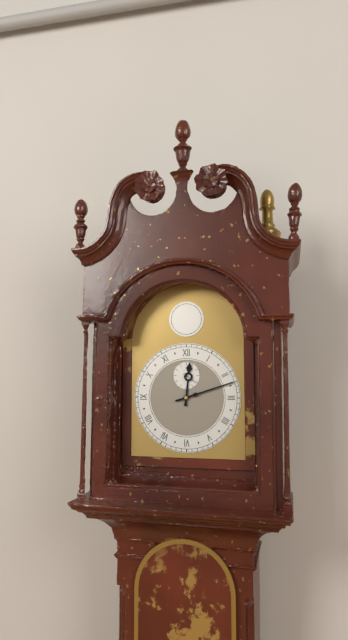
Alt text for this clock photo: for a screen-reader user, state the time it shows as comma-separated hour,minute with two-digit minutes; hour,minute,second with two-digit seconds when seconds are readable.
12,12
